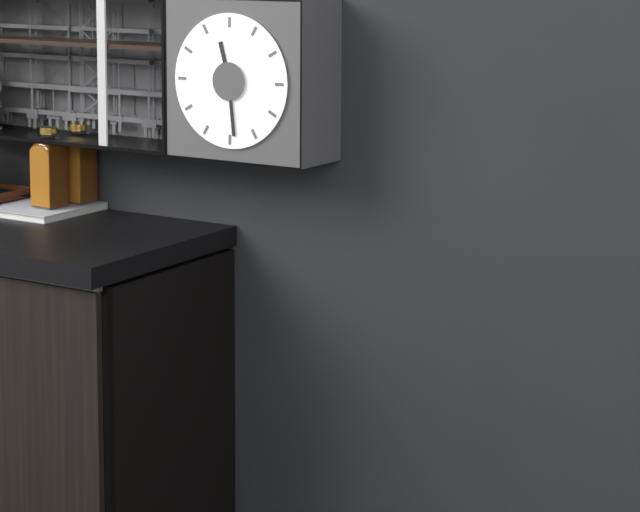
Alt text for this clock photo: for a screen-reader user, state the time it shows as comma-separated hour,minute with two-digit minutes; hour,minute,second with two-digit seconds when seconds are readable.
11,29
